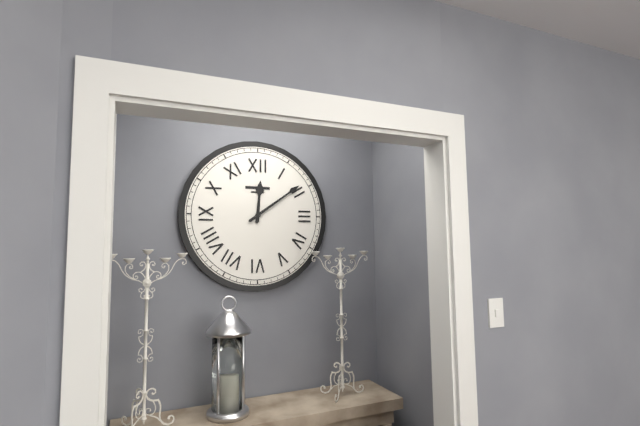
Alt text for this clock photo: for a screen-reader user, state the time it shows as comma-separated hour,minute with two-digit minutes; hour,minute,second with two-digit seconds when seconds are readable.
12,09
